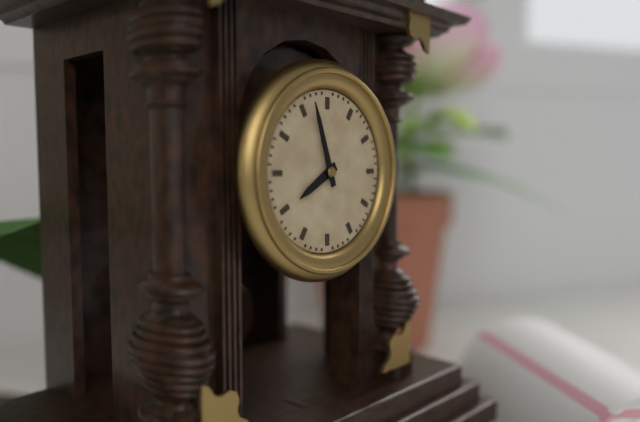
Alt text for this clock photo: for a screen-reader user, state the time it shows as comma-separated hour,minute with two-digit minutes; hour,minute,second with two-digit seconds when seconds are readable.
7,57
